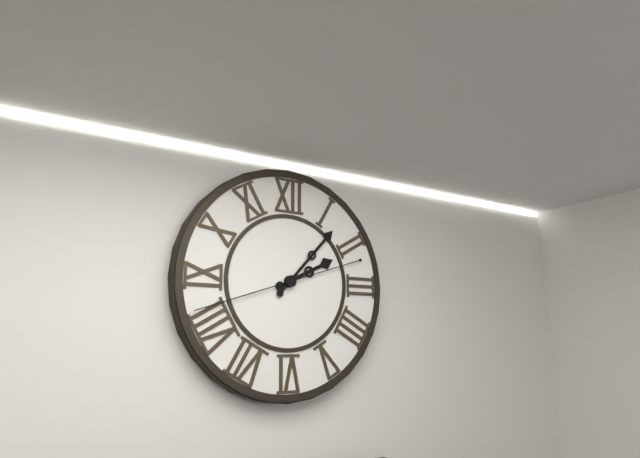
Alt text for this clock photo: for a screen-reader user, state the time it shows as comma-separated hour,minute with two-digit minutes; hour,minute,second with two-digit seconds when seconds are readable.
2,07,42
